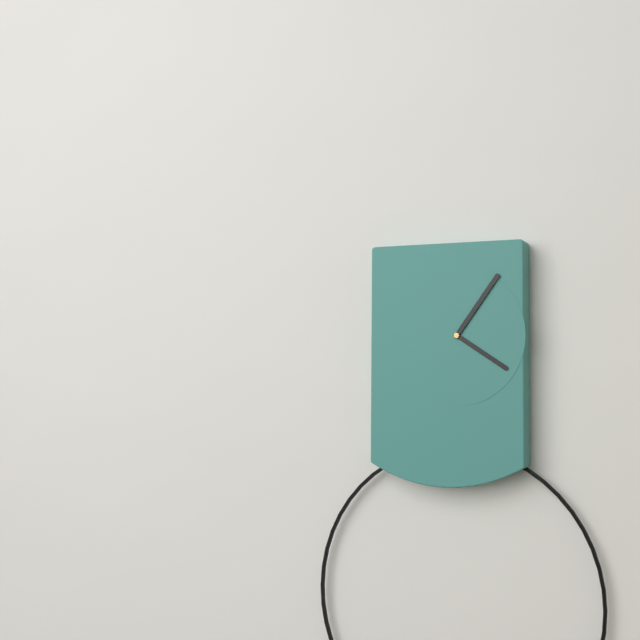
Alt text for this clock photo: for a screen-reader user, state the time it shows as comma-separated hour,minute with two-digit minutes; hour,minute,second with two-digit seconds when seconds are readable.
4,06
